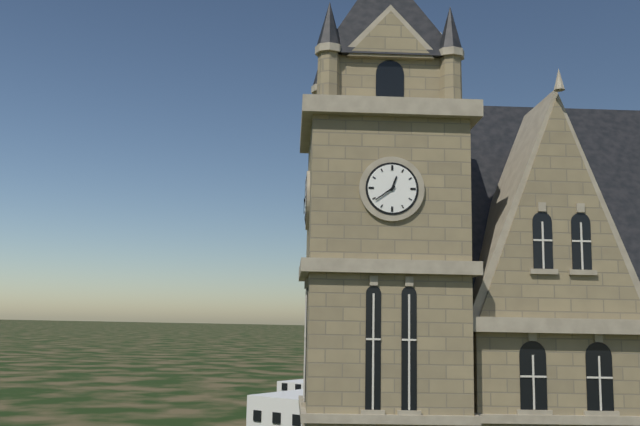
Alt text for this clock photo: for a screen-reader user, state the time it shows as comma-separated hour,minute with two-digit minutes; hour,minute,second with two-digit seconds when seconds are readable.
12,39
